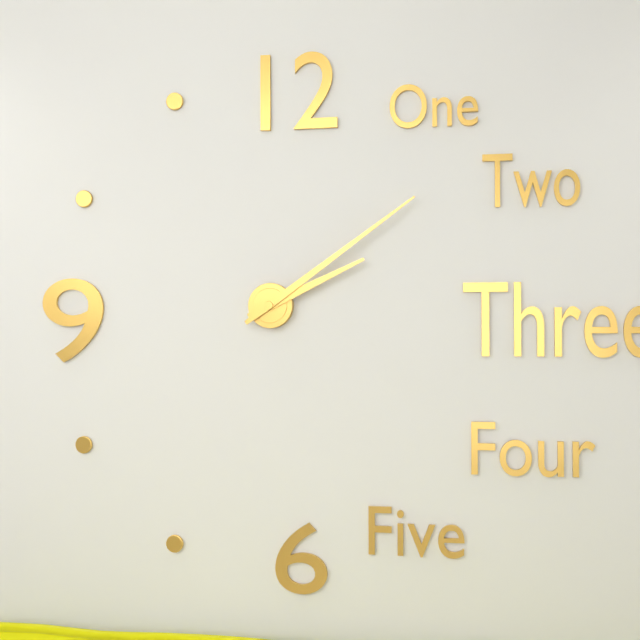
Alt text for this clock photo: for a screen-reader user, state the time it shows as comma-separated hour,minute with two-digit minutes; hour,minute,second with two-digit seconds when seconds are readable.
2,09
